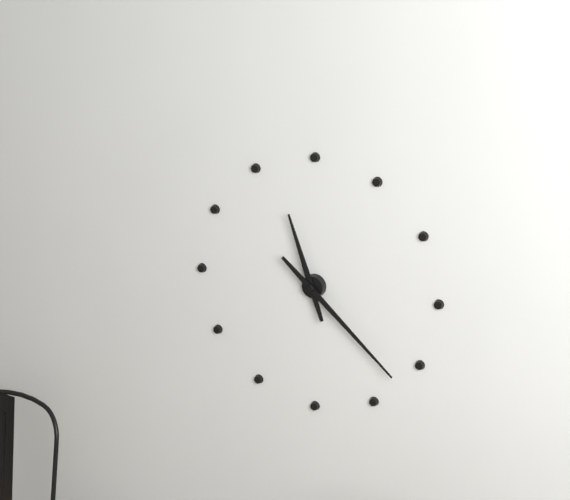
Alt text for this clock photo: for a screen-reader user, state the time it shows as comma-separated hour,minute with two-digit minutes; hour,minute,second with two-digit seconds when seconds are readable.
11,22
